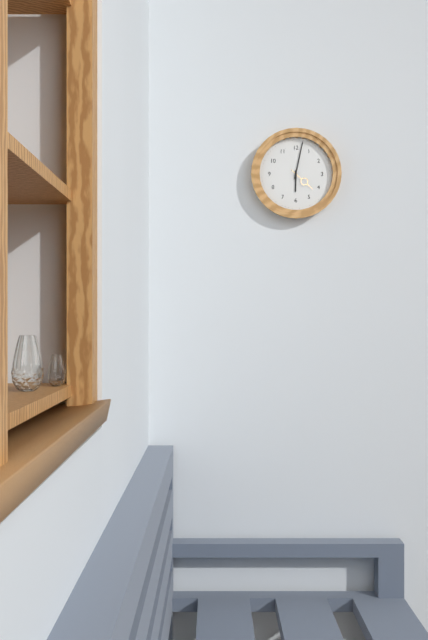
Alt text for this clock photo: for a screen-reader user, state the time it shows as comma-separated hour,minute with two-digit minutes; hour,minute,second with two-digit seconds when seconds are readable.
6,02
